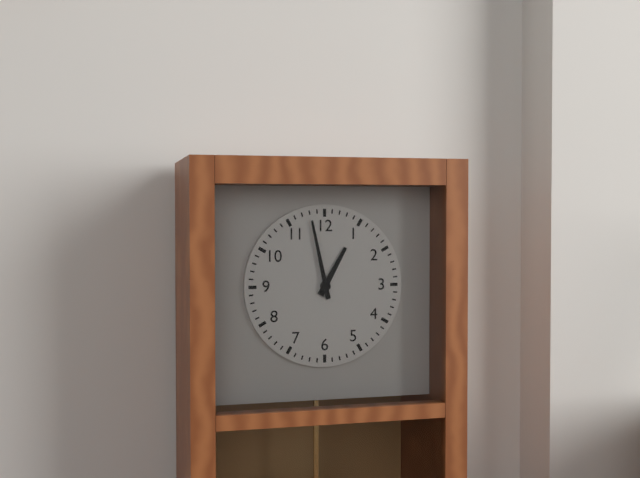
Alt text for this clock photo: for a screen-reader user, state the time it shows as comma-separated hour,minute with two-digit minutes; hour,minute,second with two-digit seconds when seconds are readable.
12,58
